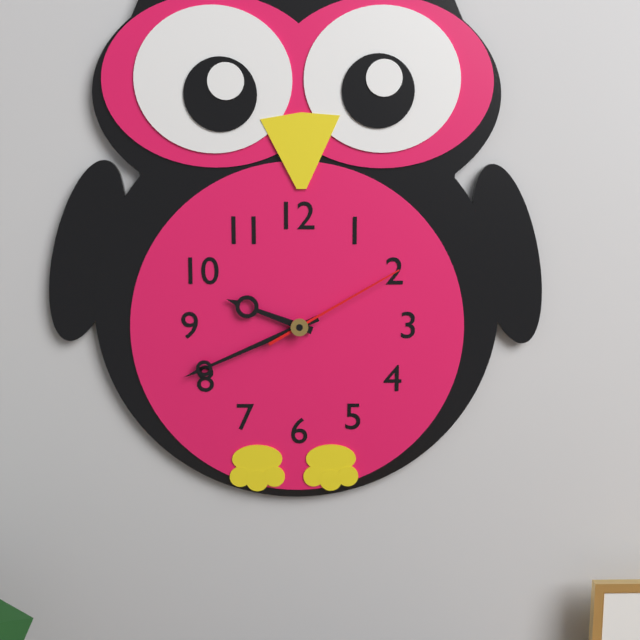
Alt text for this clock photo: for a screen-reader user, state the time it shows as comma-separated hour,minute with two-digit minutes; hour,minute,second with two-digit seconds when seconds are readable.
9,41,10
